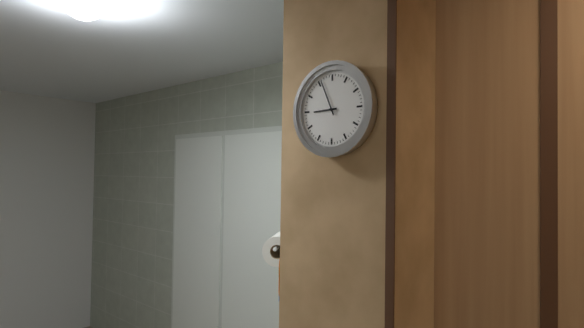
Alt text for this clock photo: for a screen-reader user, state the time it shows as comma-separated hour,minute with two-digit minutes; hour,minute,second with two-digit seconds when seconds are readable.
8,56
